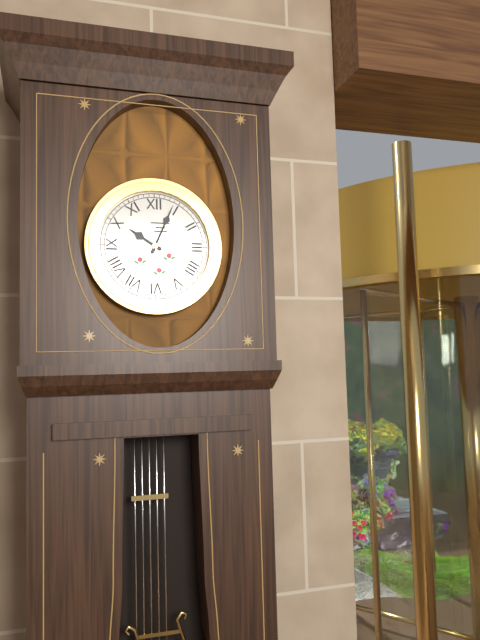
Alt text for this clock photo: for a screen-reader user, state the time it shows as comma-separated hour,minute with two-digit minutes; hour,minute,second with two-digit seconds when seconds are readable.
10,04
